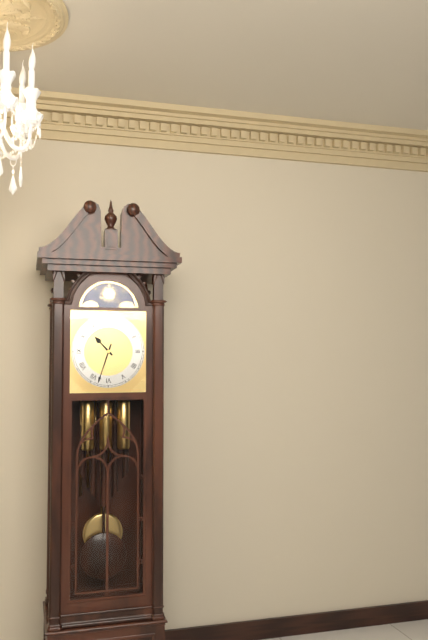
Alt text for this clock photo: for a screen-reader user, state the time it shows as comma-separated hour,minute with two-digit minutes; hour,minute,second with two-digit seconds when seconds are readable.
10,33
